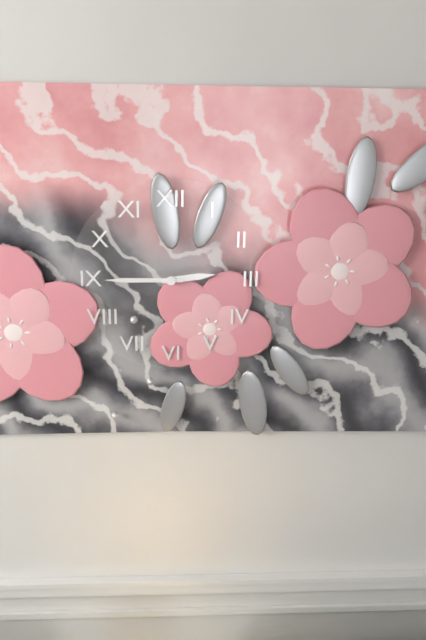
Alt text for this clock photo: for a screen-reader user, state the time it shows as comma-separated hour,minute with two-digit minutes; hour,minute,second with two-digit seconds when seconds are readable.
2,45
